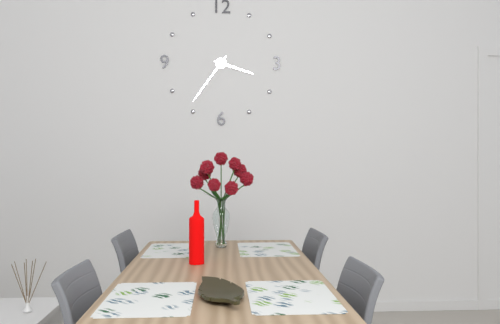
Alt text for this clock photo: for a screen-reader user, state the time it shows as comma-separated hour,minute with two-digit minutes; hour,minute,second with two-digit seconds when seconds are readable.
3,36
